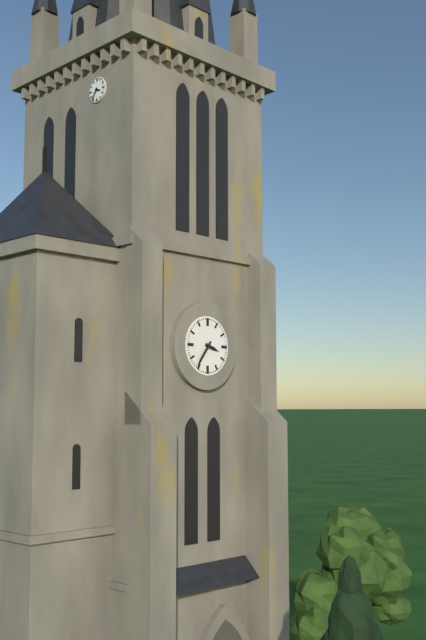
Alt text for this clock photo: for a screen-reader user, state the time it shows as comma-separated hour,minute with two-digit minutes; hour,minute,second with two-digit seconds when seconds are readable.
3,36
